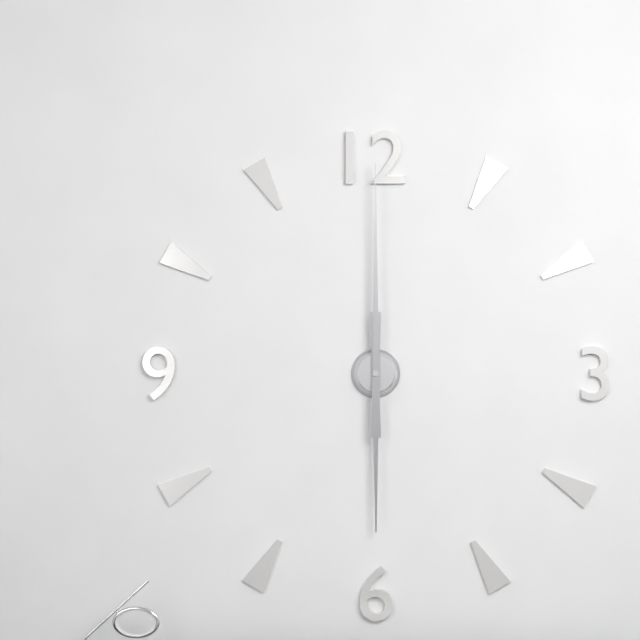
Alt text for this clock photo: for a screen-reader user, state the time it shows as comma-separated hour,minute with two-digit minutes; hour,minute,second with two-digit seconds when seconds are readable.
6,00
